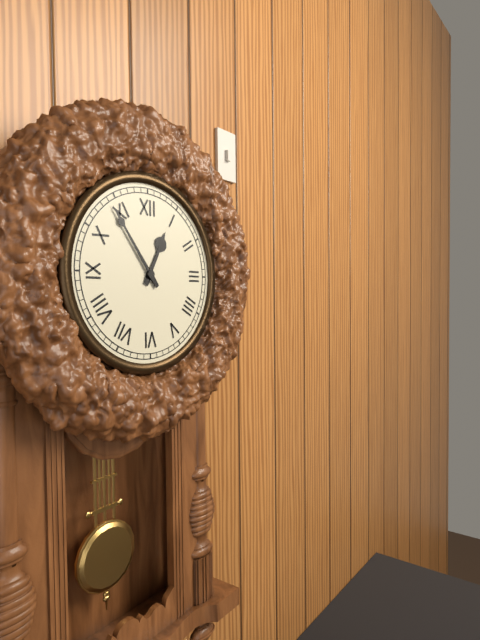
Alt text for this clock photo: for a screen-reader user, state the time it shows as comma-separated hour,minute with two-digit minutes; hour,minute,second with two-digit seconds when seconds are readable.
12,54
